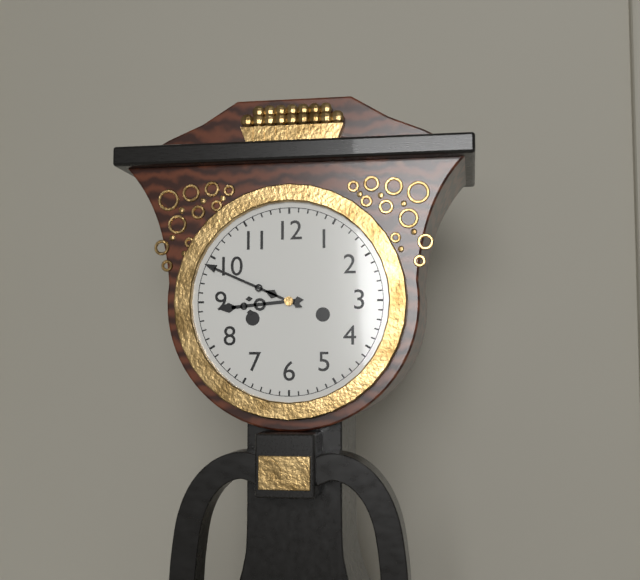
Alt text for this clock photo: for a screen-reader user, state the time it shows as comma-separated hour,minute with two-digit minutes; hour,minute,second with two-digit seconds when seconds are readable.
8,49
